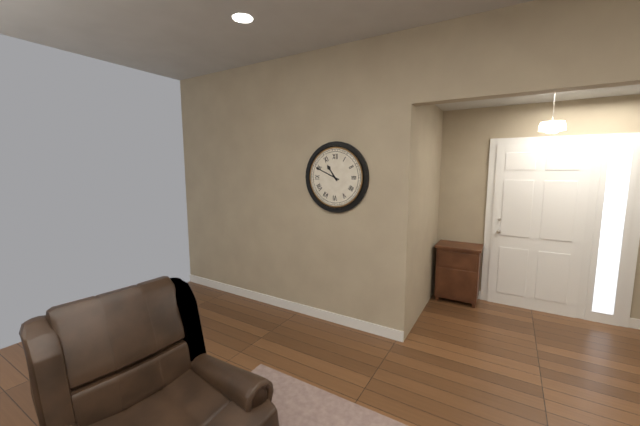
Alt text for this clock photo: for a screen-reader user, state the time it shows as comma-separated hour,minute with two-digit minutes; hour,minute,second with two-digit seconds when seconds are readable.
10,49
